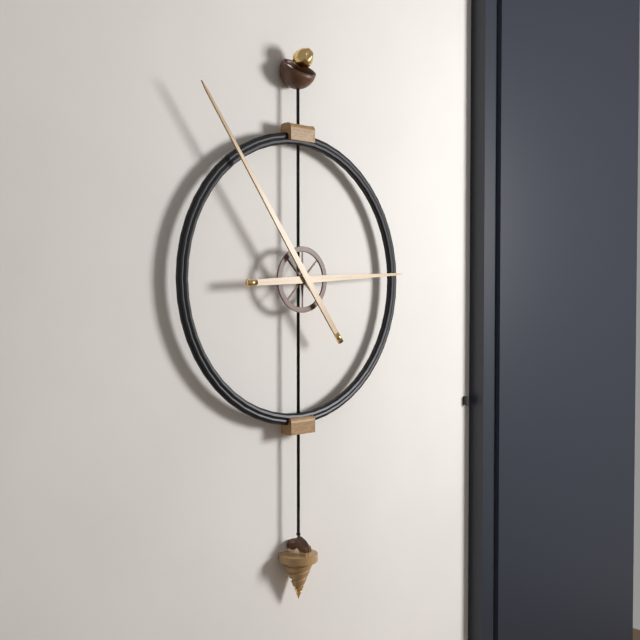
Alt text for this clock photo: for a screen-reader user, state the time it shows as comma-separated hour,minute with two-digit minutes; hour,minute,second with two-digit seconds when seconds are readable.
2,54
